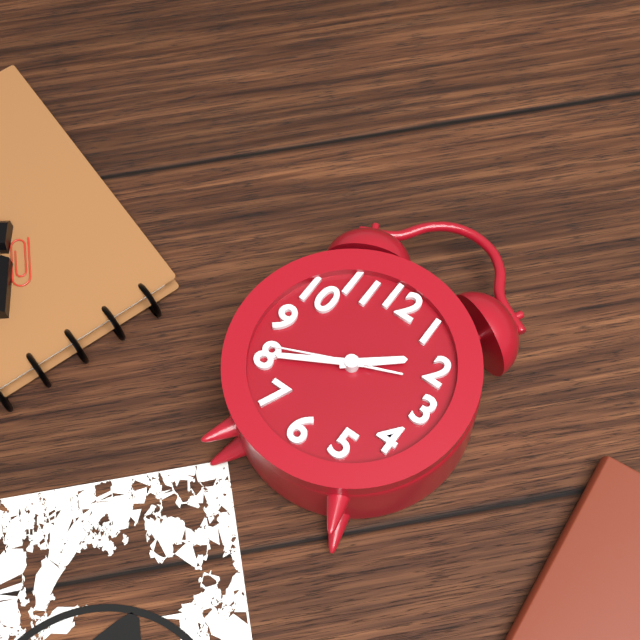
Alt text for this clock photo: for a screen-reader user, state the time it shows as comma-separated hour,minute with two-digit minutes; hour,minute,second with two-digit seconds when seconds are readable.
1,40,41
